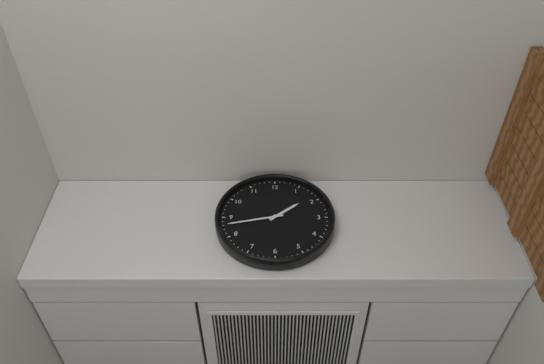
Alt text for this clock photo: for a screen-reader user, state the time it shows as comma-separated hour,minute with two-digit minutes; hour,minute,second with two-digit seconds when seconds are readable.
1,43
